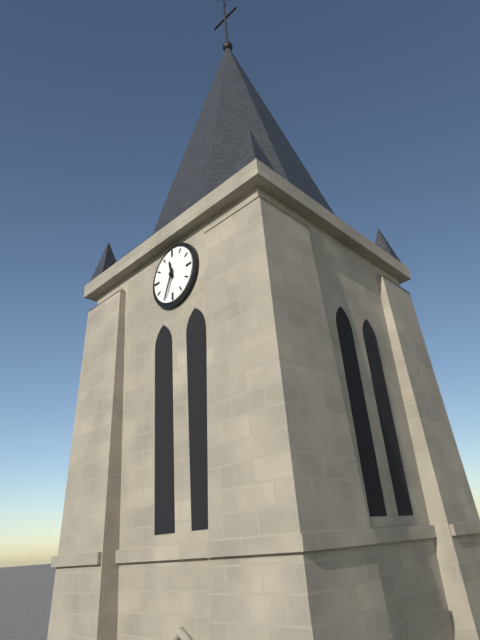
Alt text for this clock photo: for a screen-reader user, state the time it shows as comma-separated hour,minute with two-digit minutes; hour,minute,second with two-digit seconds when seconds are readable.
11,34
